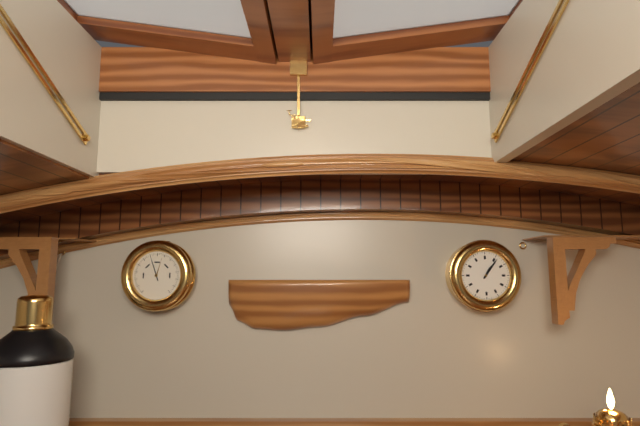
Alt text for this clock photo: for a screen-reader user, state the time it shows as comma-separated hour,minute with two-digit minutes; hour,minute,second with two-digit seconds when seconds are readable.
1,06
